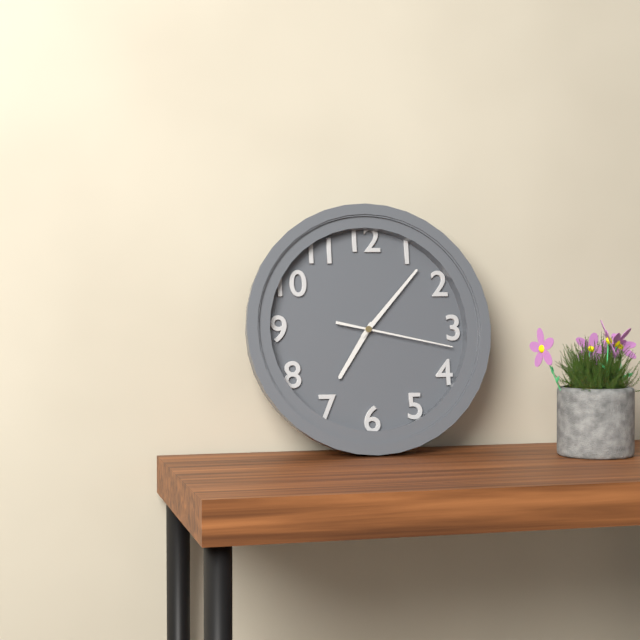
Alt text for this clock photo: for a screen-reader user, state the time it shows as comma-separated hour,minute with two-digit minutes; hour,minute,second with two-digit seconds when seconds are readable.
7,07,17
